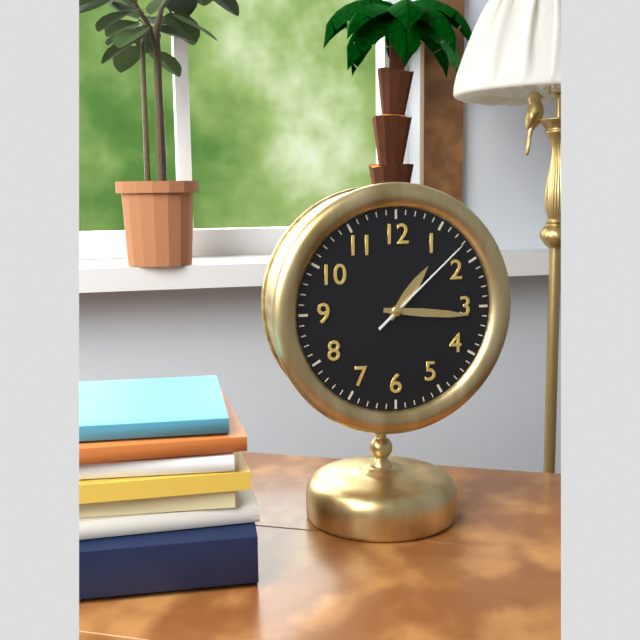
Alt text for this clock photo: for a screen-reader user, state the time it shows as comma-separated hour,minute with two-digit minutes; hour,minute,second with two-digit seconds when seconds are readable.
1,16,08
